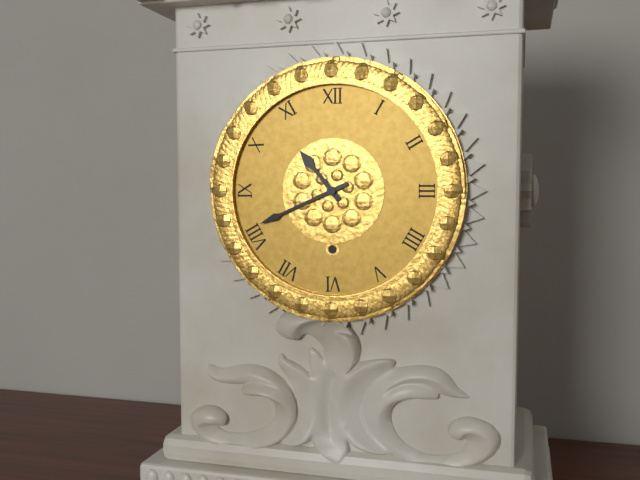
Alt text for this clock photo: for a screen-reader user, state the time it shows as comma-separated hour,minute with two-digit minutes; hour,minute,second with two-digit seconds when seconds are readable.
10,41
